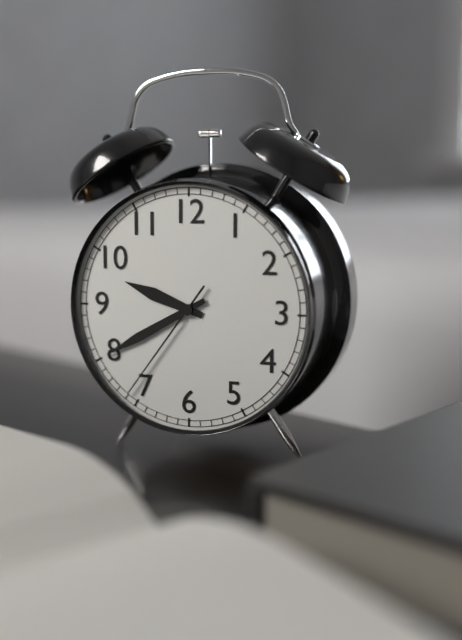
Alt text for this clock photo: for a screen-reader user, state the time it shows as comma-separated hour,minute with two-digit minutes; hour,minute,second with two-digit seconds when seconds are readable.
9,40,36
